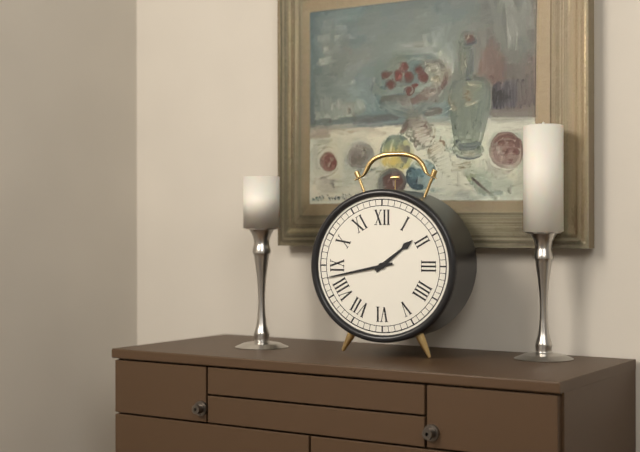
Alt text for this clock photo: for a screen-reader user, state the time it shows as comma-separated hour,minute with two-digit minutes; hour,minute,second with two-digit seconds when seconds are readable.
1,43
